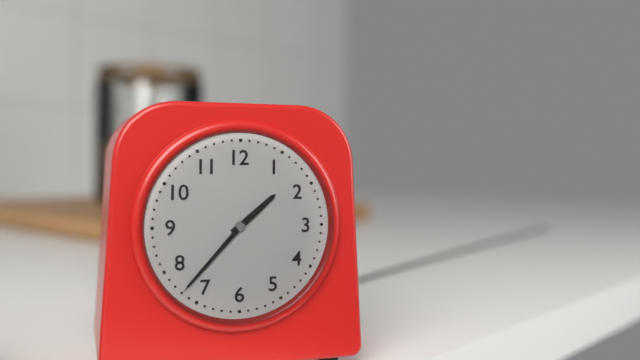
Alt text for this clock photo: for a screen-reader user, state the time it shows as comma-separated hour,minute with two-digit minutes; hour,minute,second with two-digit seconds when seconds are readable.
1,37
